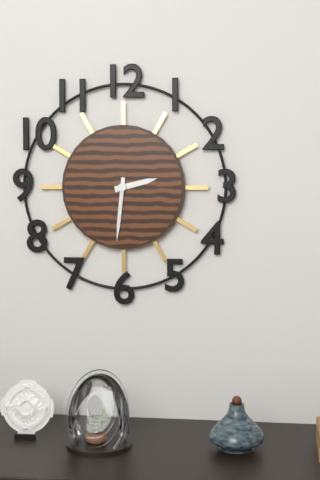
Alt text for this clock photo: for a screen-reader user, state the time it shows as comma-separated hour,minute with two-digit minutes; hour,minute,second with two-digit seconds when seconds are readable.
2,31
